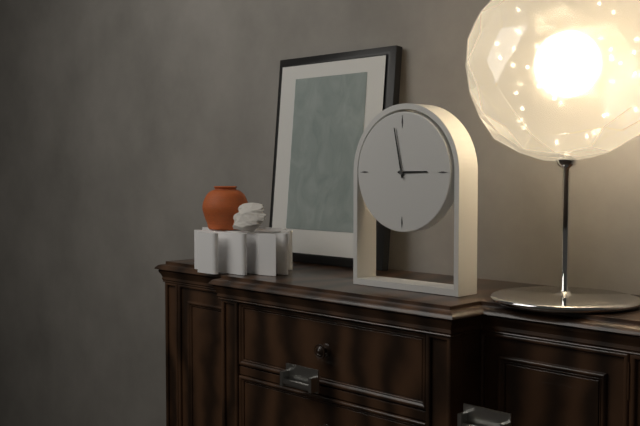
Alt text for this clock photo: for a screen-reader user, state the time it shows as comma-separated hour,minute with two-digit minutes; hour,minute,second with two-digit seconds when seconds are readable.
2,58
